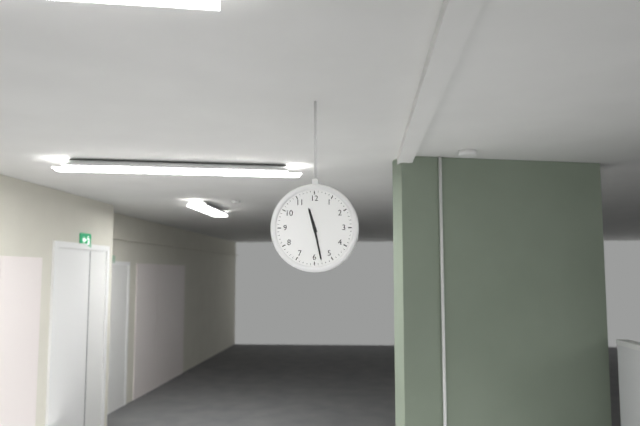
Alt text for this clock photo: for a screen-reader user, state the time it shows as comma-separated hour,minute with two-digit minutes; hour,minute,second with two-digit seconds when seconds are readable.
11,28
